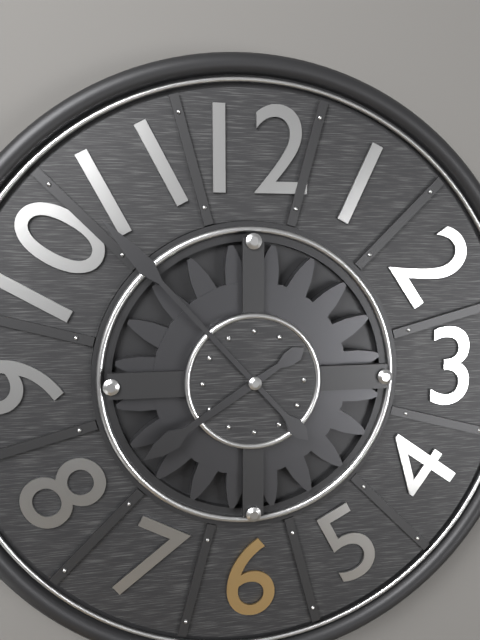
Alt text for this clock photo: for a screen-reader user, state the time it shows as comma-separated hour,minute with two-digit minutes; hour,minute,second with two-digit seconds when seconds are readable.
7,53
